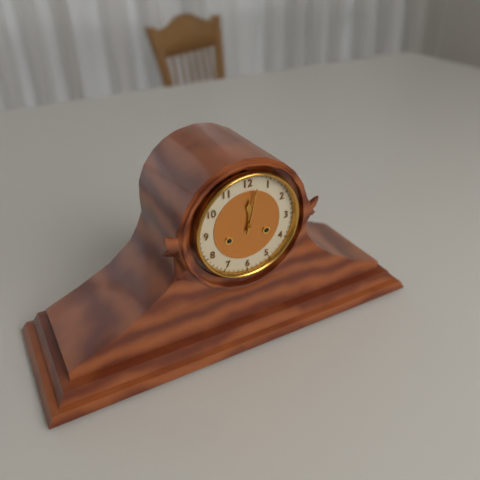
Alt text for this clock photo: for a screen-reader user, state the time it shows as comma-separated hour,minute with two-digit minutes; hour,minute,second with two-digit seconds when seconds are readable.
12,02
